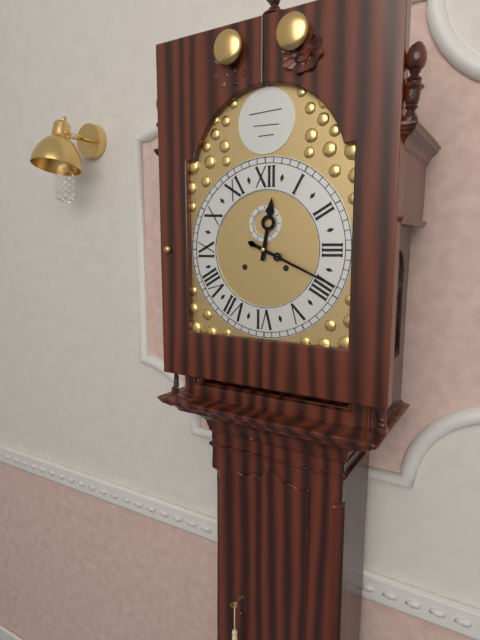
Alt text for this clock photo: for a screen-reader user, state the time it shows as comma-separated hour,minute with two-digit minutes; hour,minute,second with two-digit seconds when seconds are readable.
12,19
